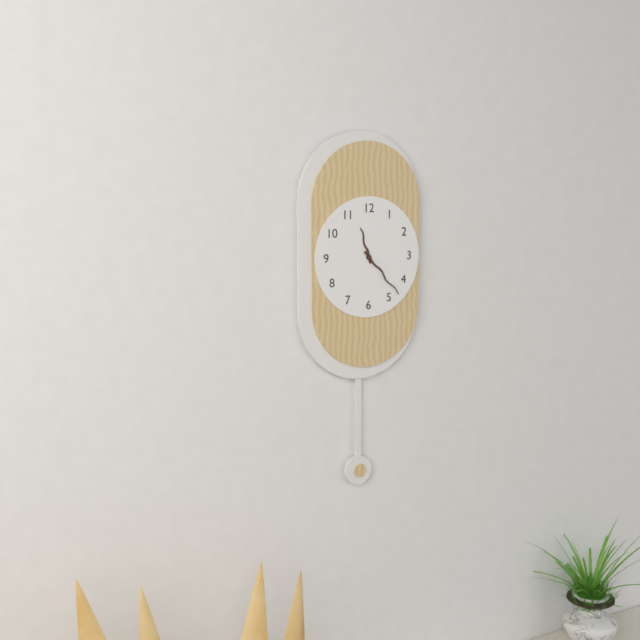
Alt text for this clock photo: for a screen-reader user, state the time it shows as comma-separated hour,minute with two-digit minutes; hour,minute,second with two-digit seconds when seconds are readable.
11,23
